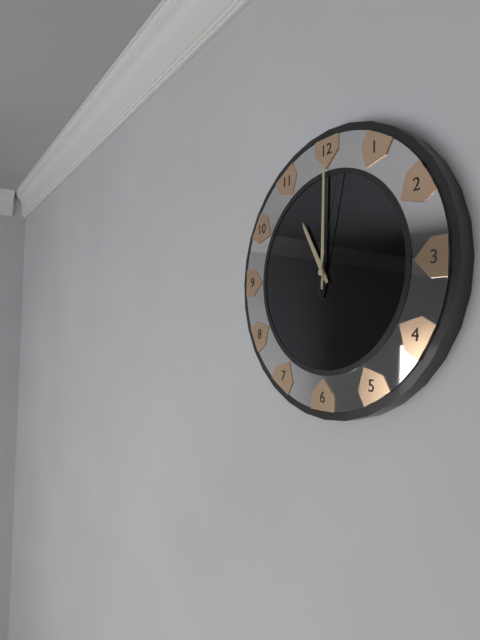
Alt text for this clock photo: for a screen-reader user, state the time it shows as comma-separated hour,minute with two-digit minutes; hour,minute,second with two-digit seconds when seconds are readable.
11,00,02
